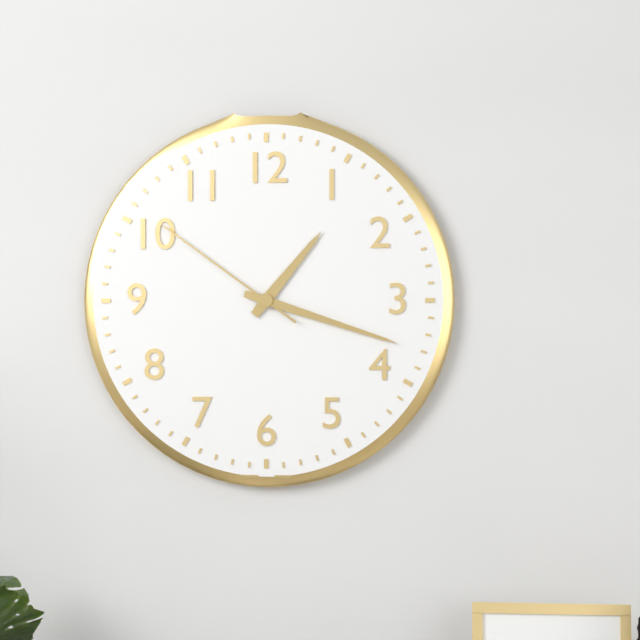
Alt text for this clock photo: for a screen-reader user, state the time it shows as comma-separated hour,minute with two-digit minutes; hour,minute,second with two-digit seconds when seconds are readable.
1,18,51
